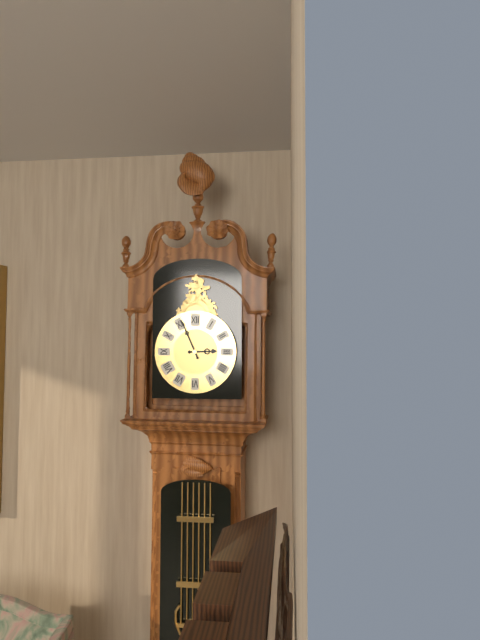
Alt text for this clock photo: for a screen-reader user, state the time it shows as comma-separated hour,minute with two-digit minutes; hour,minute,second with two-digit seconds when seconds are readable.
2,56
